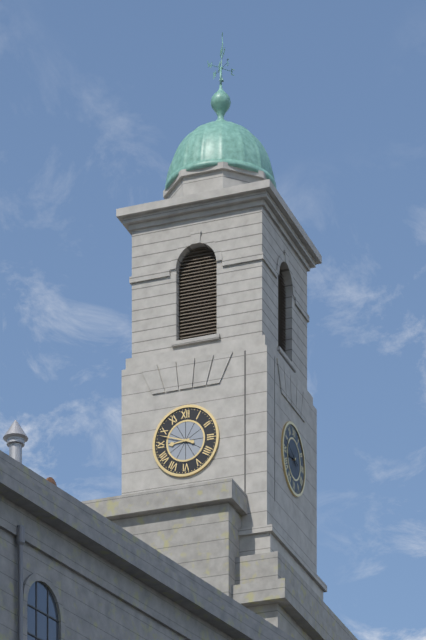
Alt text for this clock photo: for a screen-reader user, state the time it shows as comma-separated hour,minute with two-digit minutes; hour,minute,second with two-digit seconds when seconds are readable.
8,48
